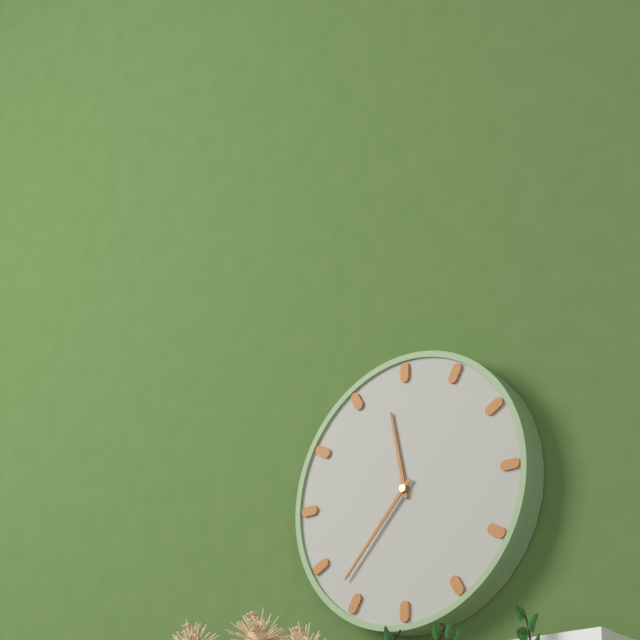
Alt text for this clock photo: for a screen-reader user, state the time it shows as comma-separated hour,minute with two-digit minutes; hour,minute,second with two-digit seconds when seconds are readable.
11,37
